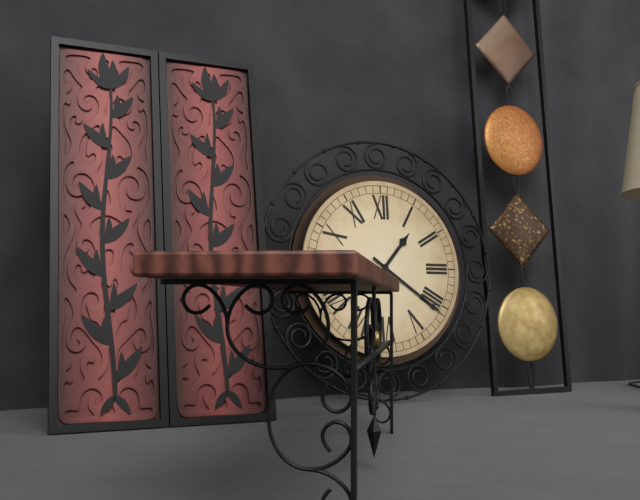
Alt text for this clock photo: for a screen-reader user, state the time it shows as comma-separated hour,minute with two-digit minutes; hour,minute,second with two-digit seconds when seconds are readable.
1,21
